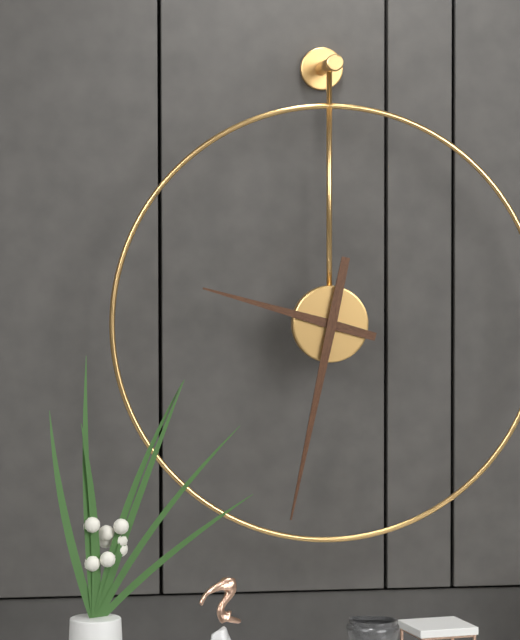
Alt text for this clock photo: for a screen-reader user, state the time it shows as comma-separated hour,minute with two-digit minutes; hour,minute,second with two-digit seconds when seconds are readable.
9,32
